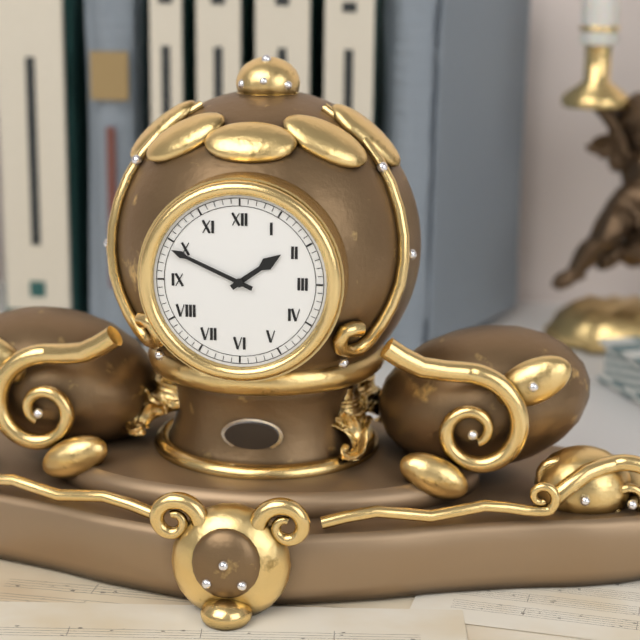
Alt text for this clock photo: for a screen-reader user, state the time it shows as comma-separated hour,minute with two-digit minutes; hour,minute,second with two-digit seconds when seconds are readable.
1,49
